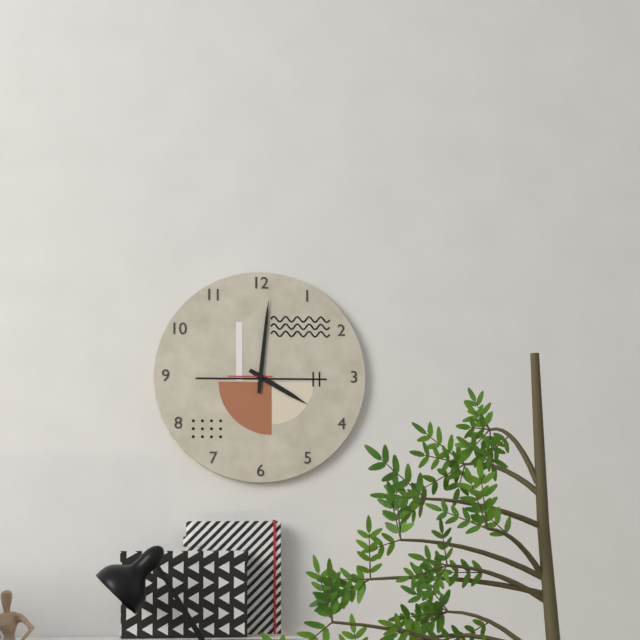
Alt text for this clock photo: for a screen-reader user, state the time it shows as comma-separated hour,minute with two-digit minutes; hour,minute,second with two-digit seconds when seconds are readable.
4,01
